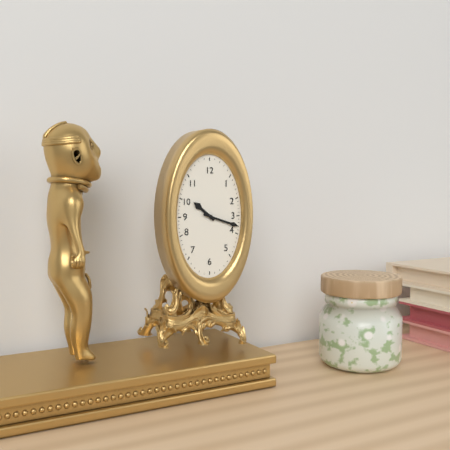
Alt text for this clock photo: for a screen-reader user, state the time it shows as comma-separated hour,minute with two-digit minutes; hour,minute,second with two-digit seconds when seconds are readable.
10,18
